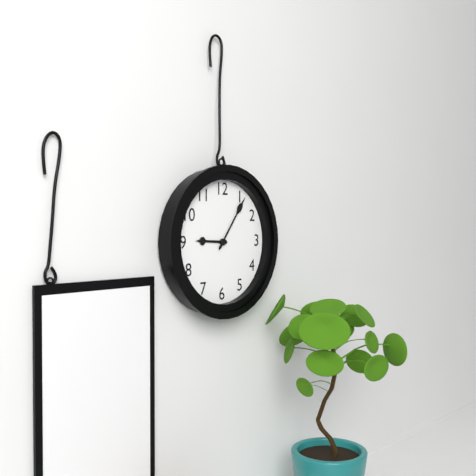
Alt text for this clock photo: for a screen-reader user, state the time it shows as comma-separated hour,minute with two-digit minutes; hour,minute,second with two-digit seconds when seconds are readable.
9,06
